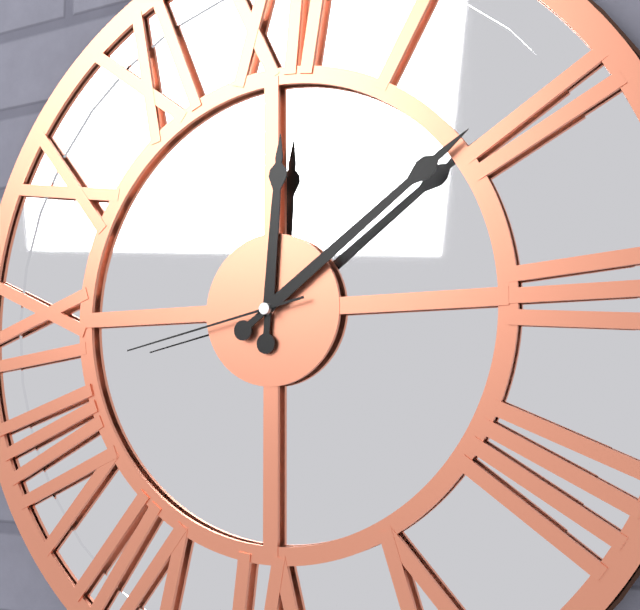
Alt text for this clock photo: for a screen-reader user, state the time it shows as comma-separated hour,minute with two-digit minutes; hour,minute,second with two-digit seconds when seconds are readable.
12,09,43
